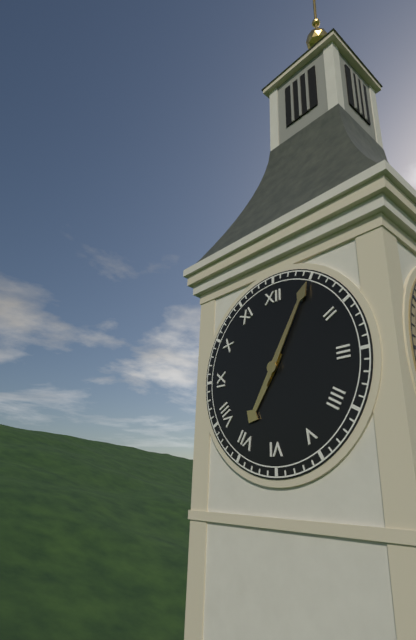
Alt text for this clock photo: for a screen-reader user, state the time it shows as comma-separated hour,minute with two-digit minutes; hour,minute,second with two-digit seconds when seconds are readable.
7,05
